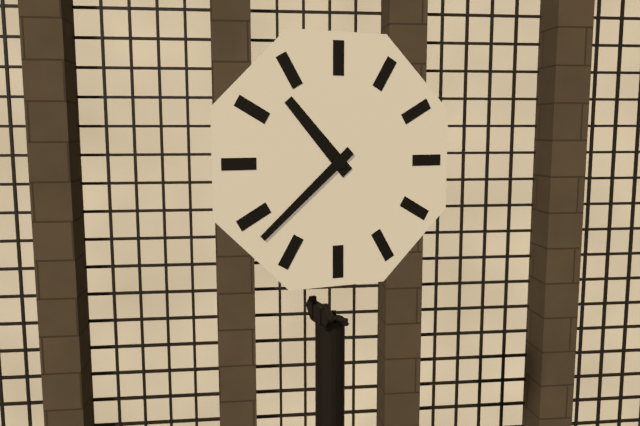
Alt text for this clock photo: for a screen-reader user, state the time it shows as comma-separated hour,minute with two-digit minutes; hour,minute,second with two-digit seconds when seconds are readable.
10,38
